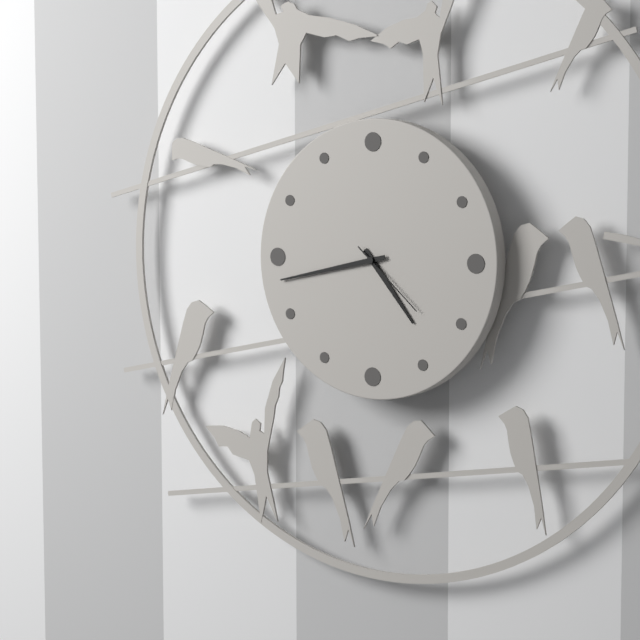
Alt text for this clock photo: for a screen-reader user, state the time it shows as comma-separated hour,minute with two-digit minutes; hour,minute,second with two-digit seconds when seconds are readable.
4,43,22
